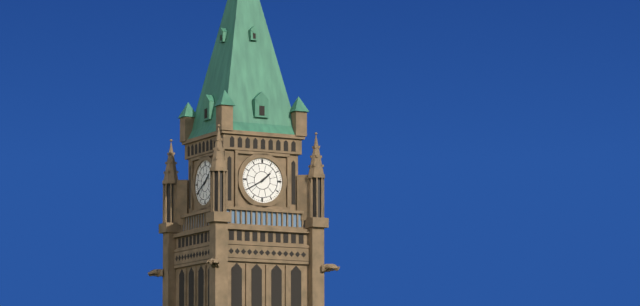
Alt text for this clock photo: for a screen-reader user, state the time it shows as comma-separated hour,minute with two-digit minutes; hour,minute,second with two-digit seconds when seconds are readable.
1,40
